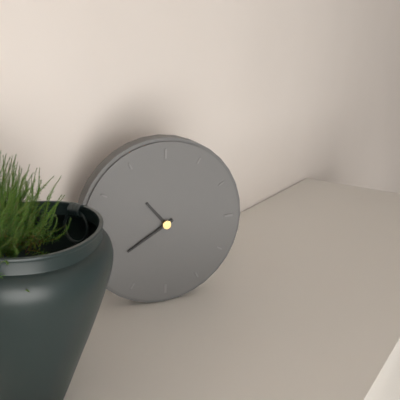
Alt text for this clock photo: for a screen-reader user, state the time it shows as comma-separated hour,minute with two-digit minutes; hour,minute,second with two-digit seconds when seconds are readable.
10,40
